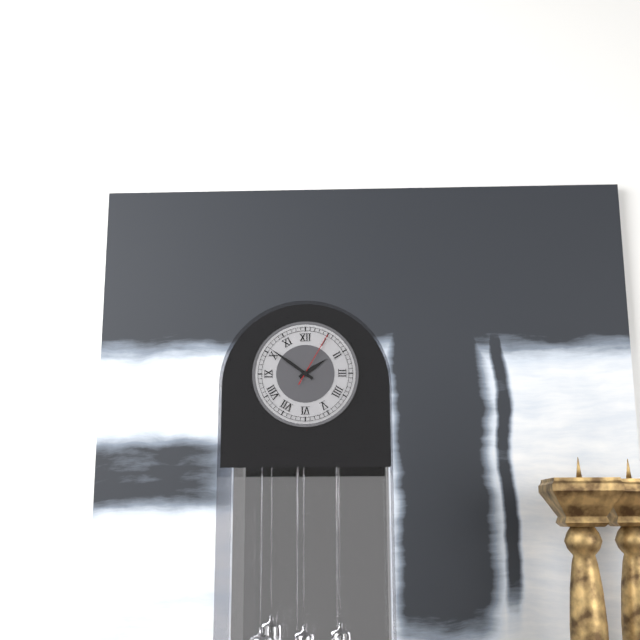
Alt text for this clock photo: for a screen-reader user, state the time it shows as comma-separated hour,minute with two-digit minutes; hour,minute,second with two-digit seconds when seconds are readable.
1,51,05
